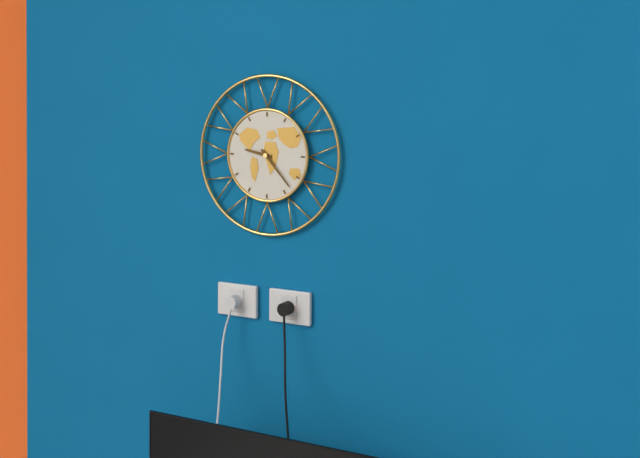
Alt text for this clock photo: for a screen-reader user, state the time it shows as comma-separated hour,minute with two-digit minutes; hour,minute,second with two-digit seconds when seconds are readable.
9,23
